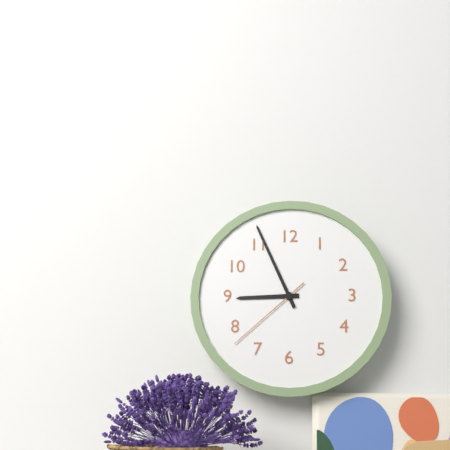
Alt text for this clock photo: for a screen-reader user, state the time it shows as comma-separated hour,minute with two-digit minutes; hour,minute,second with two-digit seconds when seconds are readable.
8,56,38
